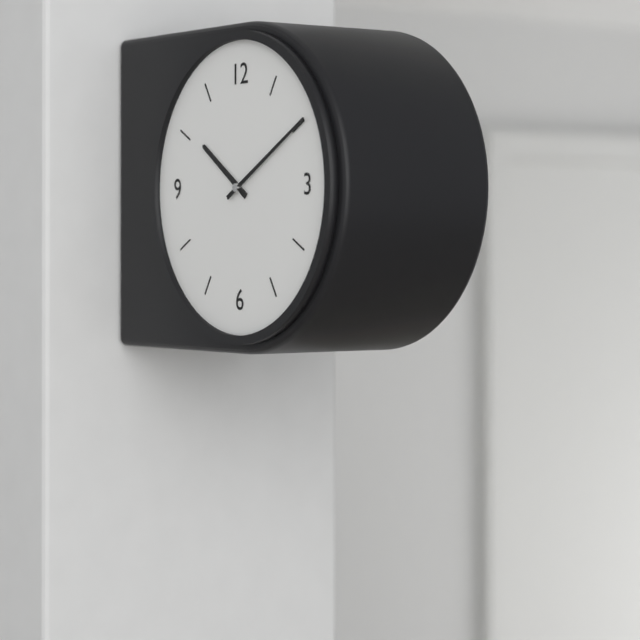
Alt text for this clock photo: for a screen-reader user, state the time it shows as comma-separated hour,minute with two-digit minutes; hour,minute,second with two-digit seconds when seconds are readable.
10,10
